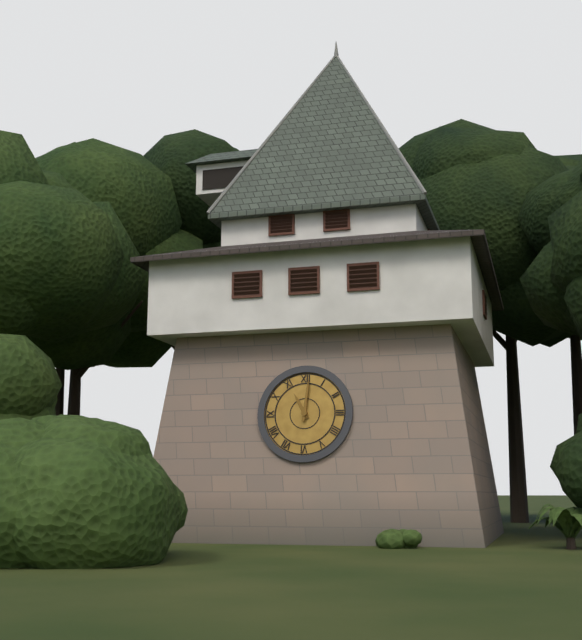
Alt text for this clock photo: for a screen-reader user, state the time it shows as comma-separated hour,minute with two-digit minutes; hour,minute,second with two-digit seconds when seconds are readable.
11,01
